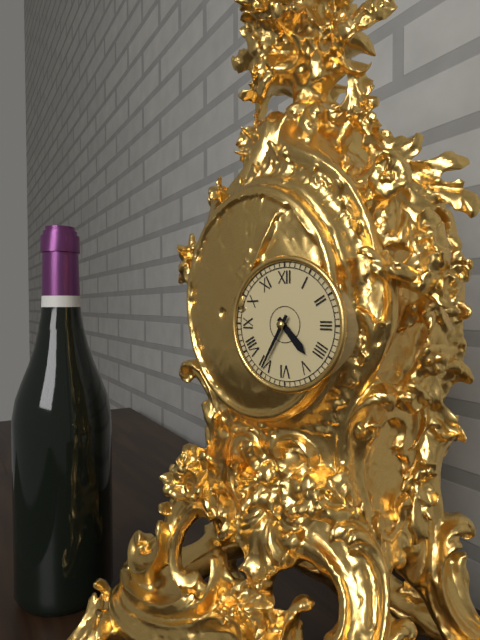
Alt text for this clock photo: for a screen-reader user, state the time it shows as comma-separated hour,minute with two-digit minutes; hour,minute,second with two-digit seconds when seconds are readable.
4,35
